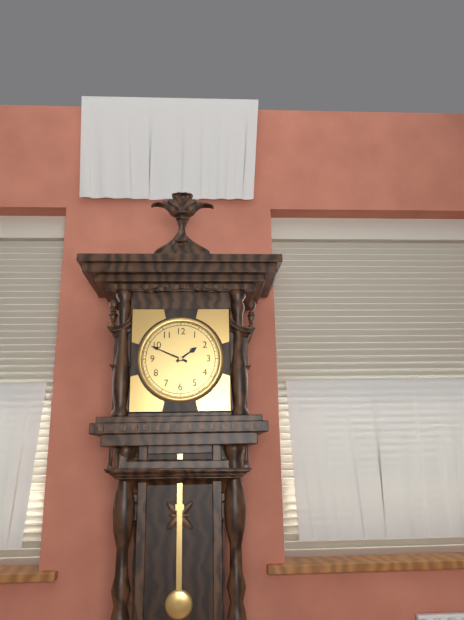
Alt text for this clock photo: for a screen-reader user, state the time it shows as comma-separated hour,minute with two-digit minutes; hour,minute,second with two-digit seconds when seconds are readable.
1,49
